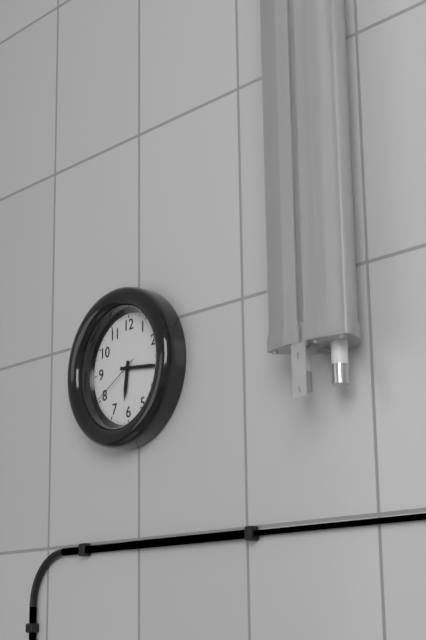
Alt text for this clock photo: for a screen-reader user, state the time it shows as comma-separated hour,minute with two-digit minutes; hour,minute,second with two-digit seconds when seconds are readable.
6,16,40
